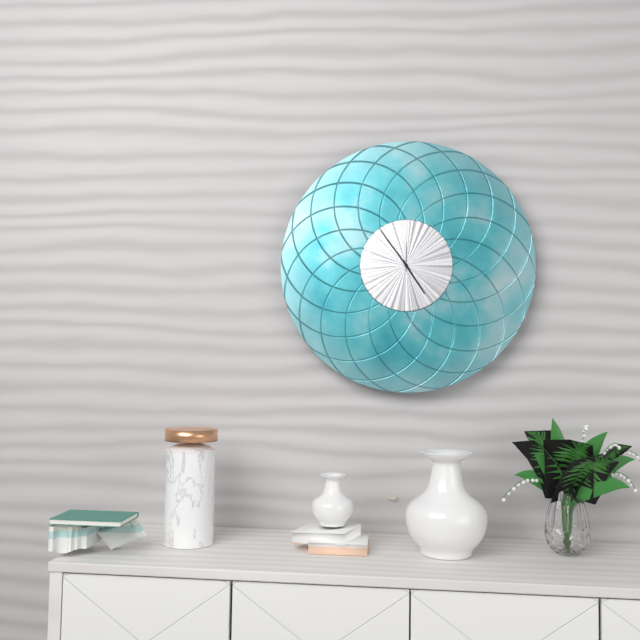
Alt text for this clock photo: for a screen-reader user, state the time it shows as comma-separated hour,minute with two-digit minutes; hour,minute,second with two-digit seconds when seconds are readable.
4,54
